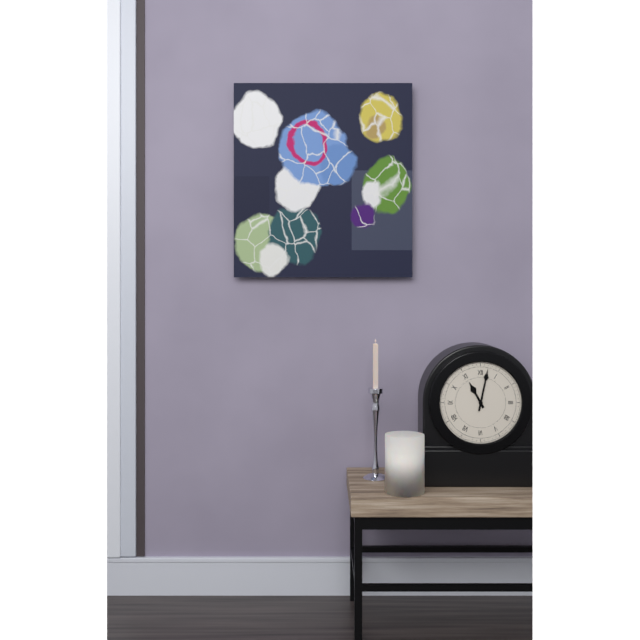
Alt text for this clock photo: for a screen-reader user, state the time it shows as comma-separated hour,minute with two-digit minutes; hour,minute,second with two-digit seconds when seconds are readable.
11,02
